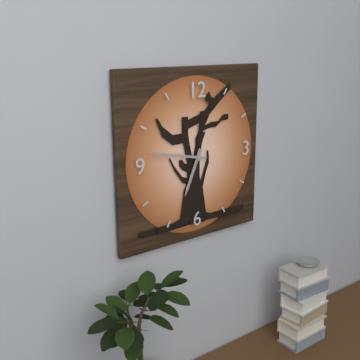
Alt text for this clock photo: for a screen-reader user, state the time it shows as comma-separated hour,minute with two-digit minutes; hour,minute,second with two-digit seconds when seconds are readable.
6,47
